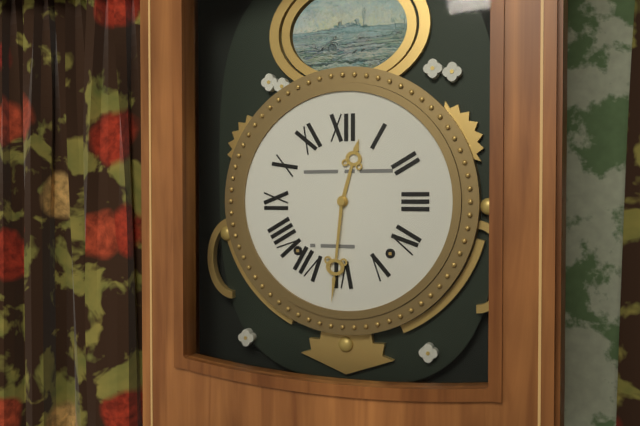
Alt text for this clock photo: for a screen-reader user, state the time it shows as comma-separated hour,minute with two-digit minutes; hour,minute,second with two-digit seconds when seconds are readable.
12,31
